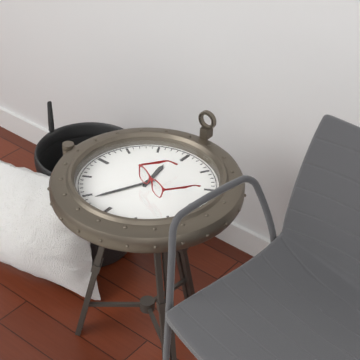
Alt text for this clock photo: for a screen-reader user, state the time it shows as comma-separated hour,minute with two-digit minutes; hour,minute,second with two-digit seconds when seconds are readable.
11,34
